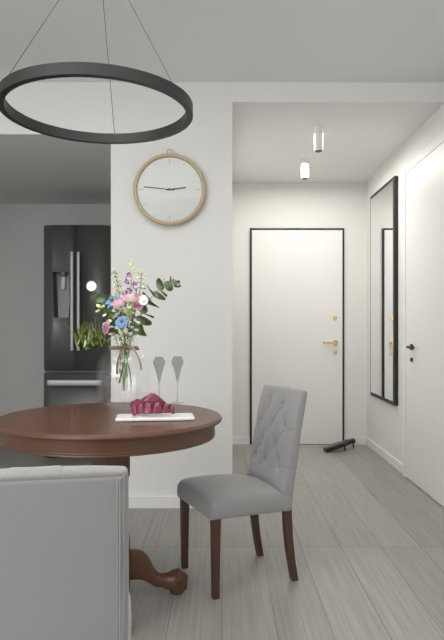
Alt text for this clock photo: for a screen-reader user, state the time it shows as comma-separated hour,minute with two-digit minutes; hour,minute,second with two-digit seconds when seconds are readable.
2,46
